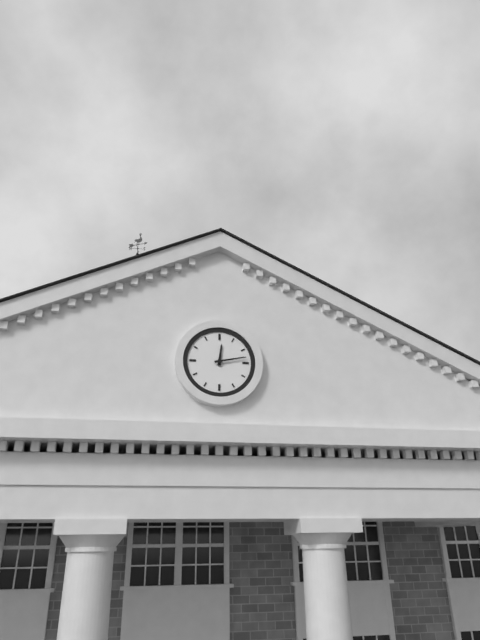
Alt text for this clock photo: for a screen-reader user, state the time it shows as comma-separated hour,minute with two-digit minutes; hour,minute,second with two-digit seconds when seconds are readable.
12,13
